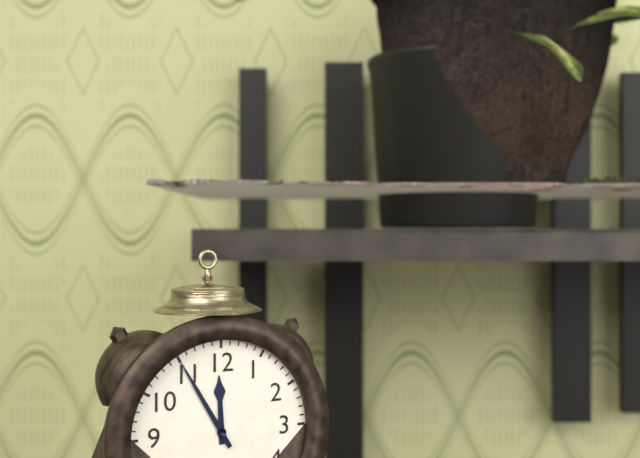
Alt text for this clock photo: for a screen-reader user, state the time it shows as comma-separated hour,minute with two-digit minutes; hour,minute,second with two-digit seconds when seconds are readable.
11,55
